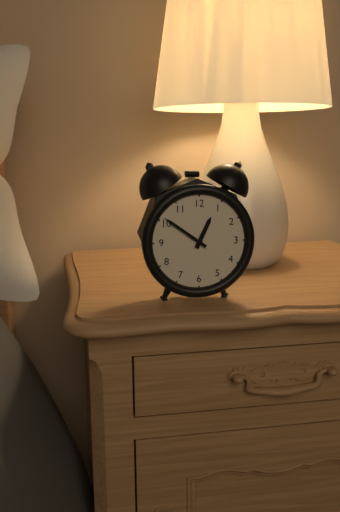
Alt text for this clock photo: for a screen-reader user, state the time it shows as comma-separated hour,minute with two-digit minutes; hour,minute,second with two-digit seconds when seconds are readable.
12,51
